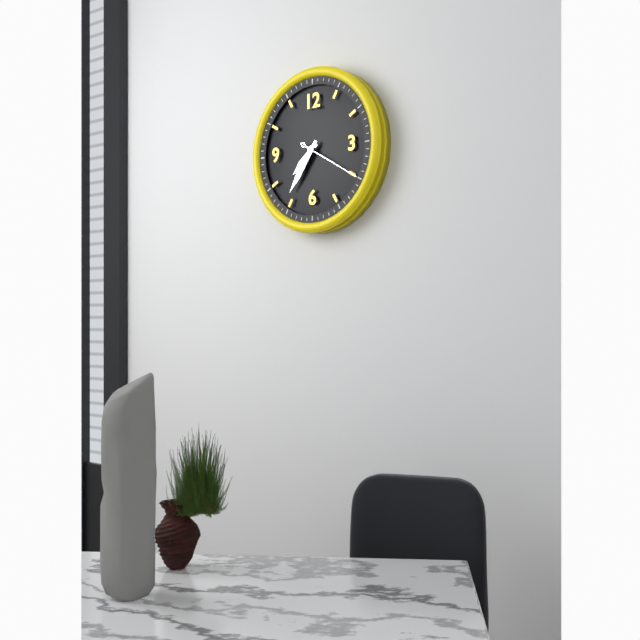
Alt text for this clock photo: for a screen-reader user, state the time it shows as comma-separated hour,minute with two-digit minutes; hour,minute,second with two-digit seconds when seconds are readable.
7,36,20
